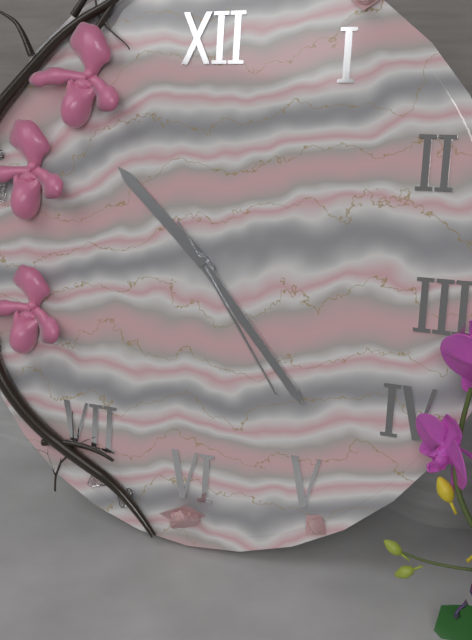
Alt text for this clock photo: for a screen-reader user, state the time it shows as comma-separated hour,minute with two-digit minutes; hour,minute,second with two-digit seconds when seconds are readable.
10,23,24
